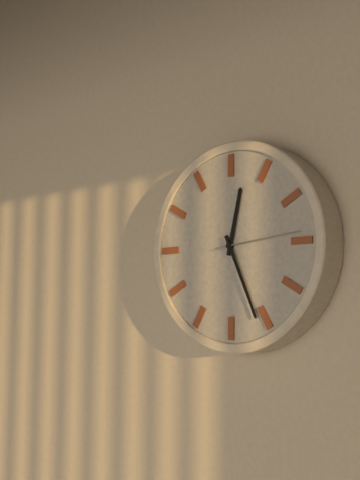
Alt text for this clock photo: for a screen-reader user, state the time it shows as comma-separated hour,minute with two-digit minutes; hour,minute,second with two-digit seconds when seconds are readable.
12,26,14
